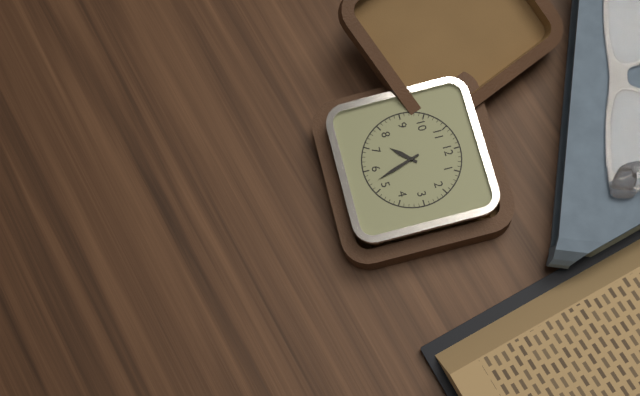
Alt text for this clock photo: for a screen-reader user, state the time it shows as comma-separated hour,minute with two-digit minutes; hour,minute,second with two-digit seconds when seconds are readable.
7,27
